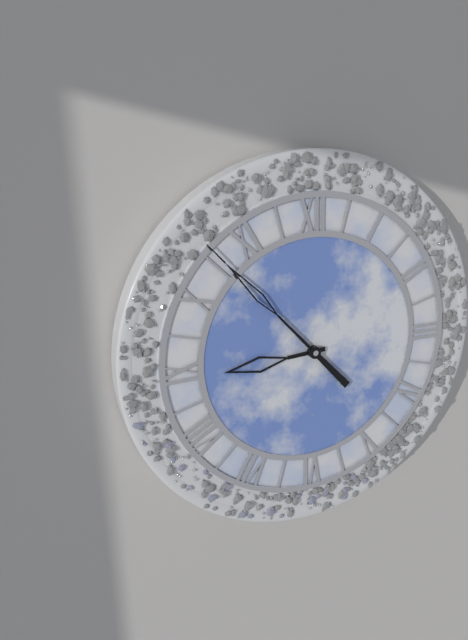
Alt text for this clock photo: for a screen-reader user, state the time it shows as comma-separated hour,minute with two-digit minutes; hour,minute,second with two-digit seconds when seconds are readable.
8,53
